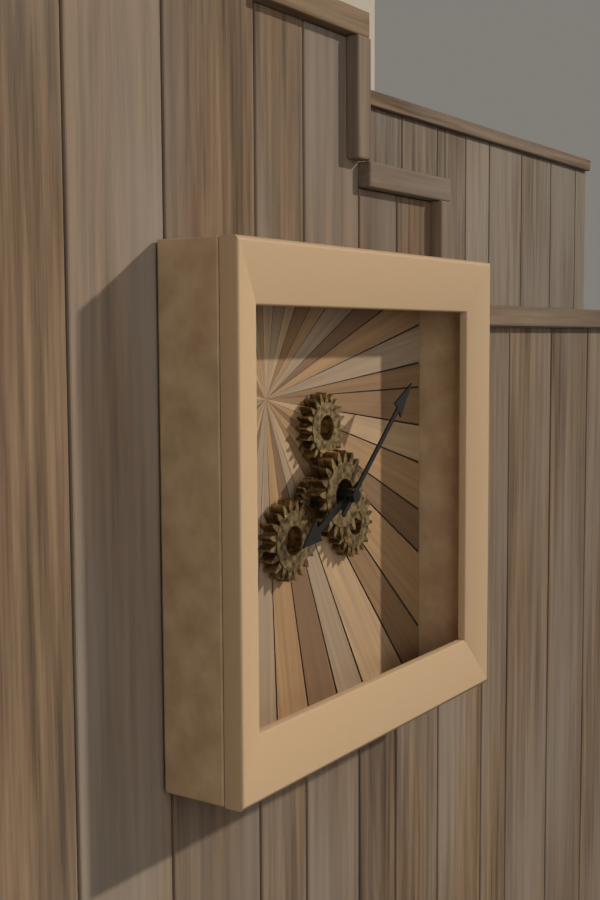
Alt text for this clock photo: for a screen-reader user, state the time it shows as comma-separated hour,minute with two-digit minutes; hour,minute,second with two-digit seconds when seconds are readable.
8,08
